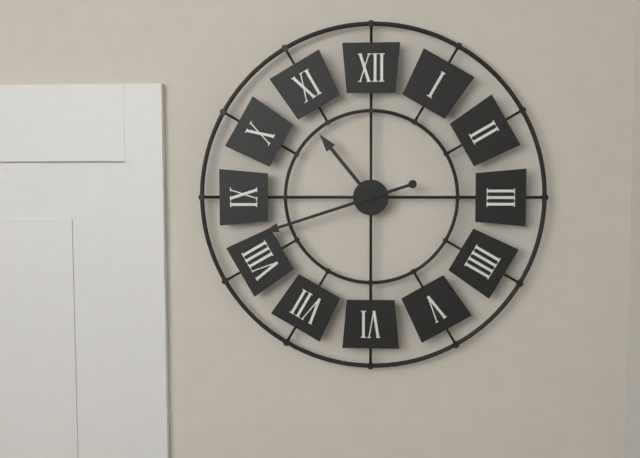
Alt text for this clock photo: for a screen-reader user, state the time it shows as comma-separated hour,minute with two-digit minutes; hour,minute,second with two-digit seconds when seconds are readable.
10,42
